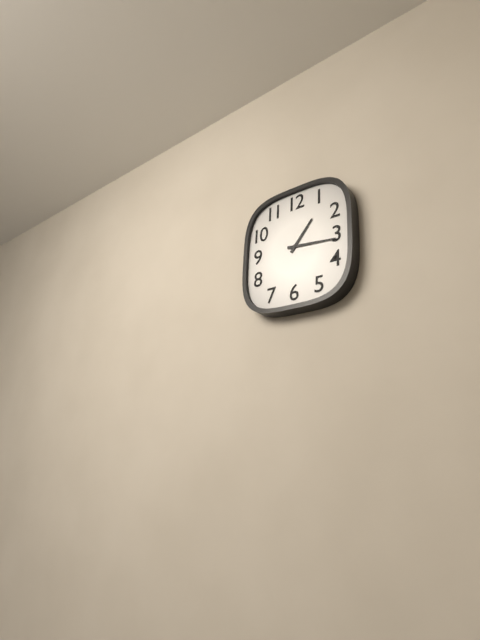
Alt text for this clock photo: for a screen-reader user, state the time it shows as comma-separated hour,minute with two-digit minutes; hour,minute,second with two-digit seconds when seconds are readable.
1,16
